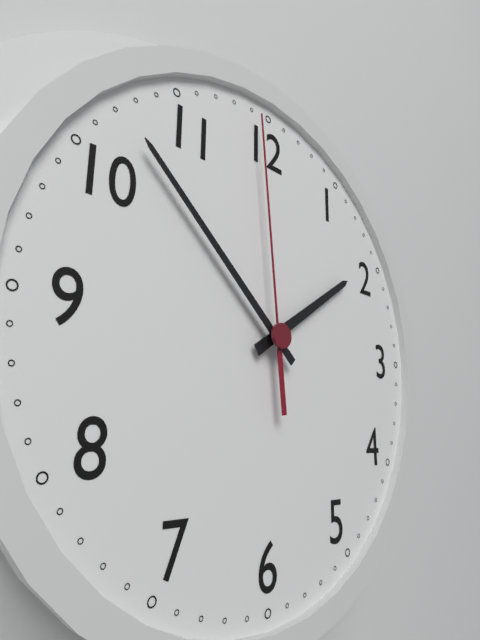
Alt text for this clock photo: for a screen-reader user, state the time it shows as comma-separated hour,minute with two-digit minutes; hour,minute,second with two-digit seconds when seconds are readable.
1,52,59
